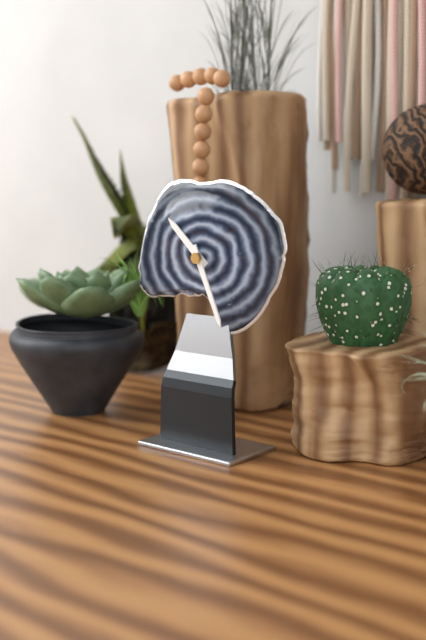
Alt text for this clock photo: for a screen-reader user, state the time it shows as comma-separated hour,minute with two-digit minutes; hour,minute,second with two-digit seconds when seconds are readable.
10,26
